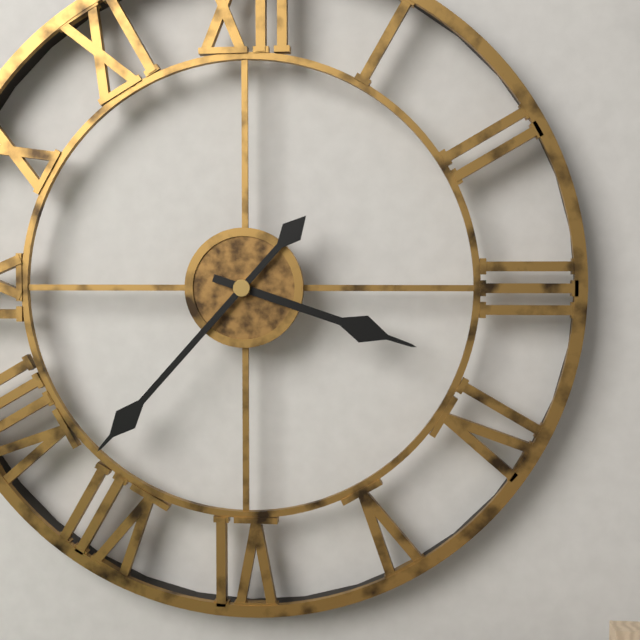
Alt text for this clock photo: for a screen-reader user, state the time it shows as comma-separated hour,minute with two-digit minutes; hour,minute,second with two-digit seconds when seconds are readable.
3,37
